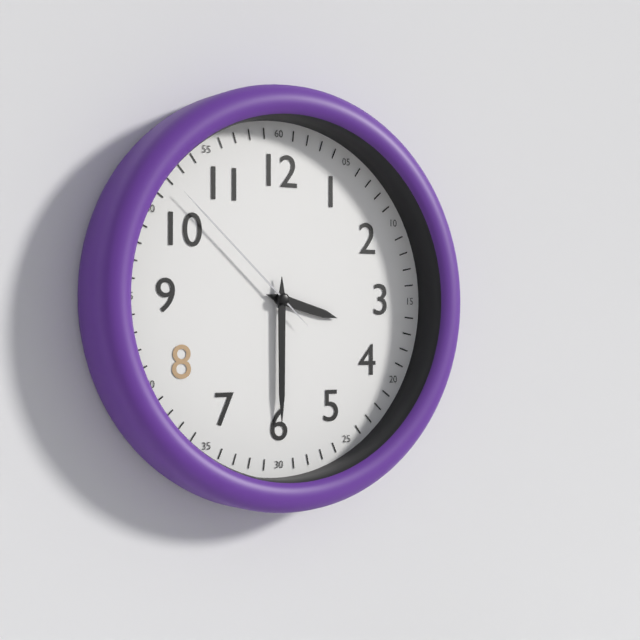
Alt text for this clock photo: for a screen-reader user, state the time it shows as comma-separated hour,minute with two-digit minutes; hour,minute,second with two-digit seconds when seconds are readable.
3,30,52
